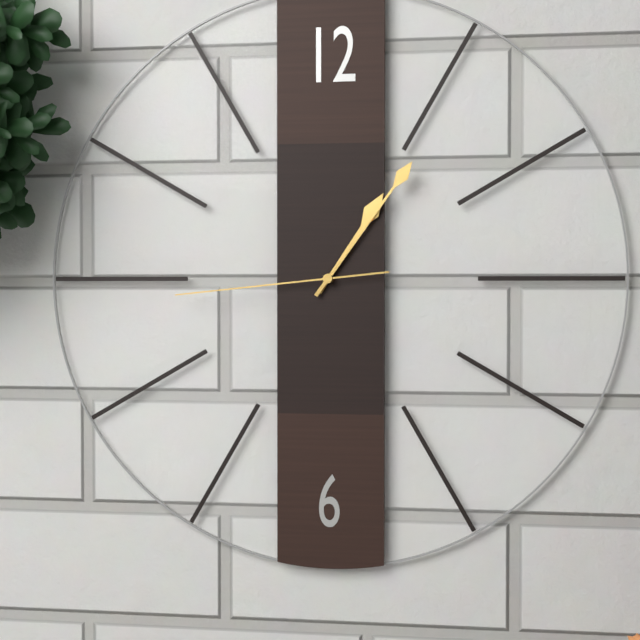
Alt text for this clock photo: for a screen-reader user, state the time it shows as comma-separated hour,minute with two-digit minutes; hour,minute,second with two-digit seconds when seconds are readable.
1,06,44
